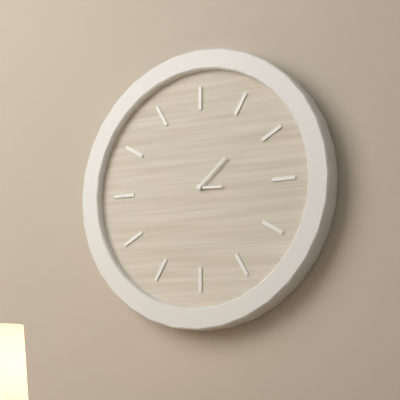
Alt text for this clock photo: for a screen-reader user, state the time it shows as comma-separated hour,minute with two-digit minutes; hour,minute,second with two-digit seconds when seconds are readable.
3,08
